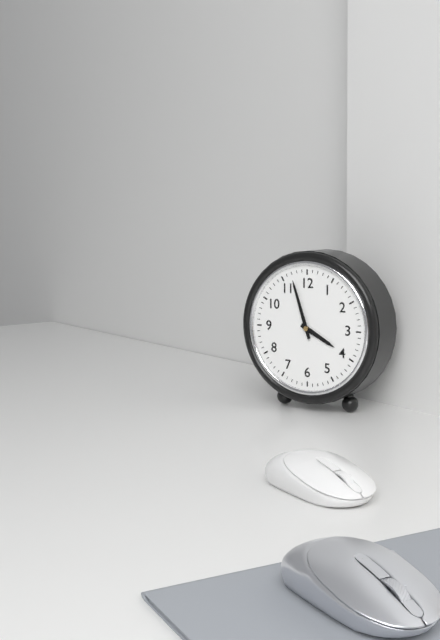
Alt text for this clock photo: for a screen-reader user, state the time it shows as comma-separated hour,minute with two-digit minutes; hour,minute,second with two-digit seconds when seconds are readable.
3,57
